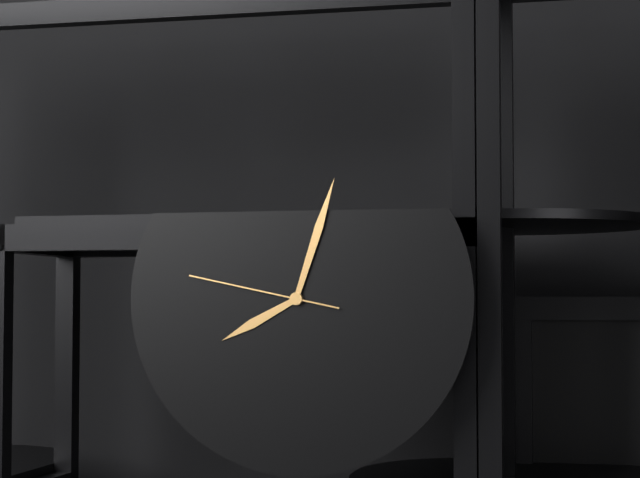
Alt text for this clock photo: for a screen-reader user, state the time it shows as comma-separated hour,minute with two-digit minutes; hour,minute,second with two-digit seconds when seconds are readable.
8,03,47
